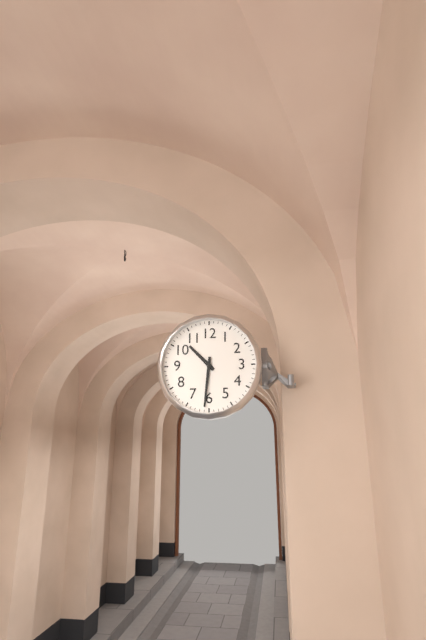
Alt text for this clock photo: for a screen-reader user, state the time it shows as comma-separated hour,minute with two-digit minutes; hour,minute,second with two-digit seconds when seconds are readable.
10,31
